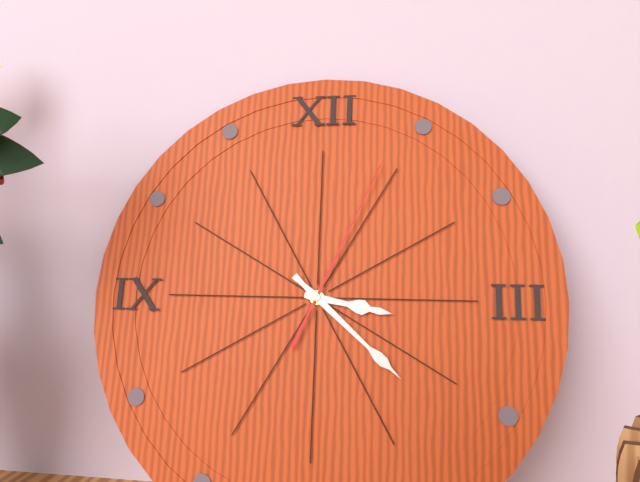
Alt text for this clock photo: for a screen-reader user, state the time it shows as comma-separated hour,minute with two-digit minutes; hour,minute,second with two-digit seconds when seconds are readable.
3,22,04
